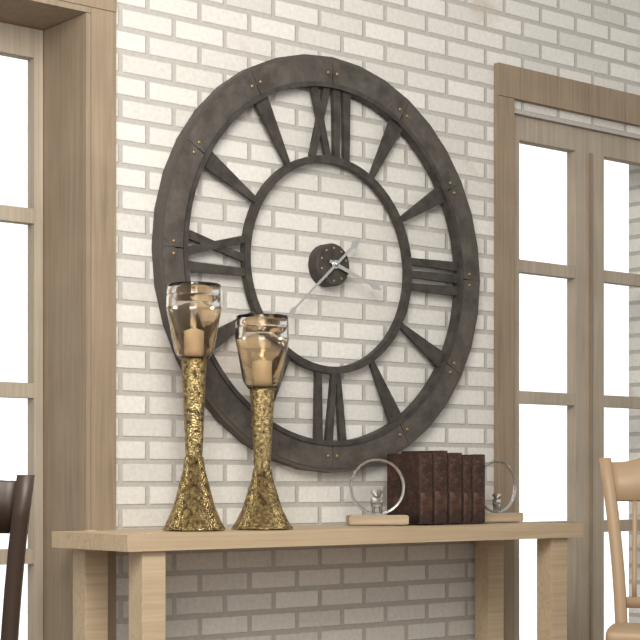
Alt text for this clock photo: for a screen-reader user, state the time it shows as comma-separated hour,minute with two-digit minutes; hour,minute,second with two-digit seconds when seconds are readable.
3,38
